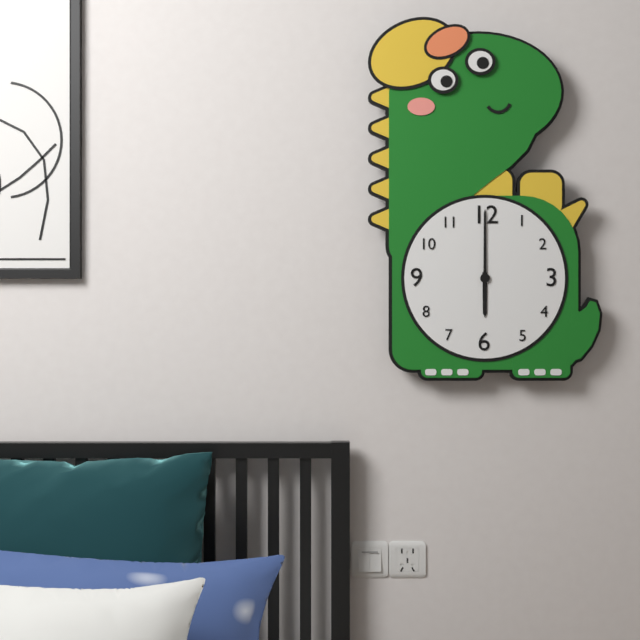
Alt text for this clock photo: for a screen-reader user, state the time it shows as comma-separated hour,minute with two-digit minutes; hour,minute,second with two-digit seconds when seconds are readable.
6,00
